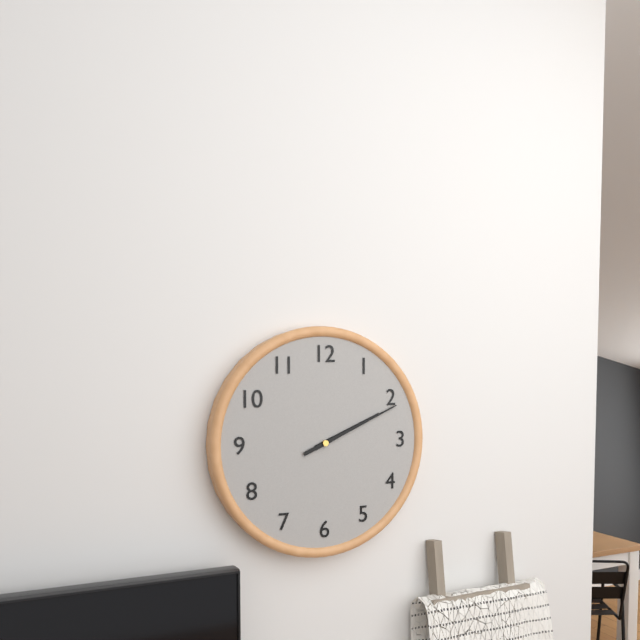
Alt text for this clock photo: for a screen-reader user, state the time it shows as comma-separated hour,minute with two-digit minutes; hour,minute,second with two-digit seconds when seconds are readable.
2,11
